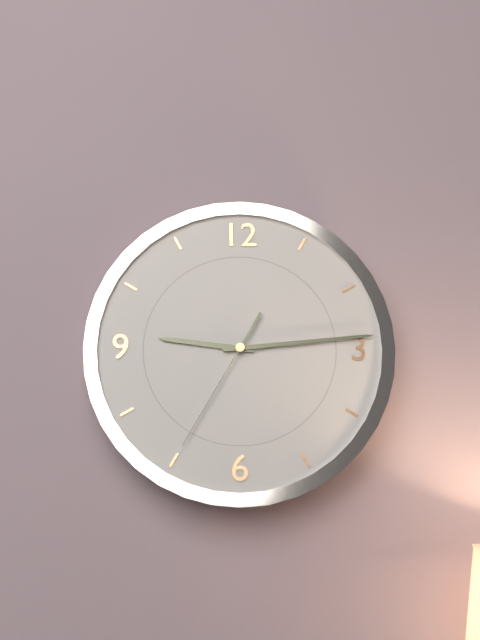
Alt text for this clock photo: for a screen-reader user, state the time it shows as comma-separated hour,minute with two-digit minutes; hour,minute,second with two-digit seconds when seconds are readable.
9,14,35
